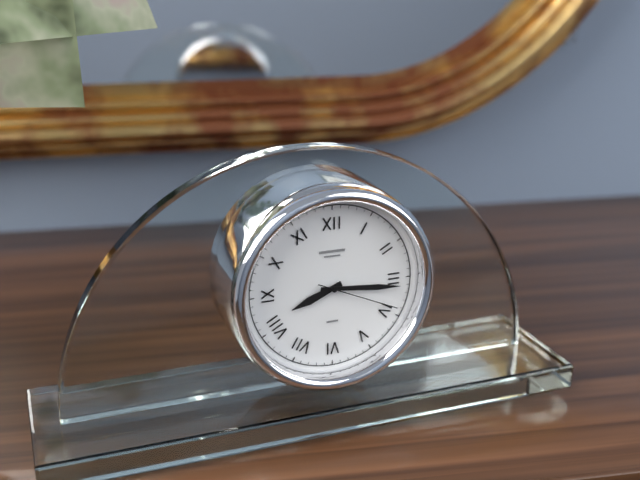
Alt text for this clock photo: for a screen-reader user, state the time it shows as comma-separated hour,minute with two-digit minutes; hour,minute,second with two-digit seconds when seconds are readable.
8,16,19
